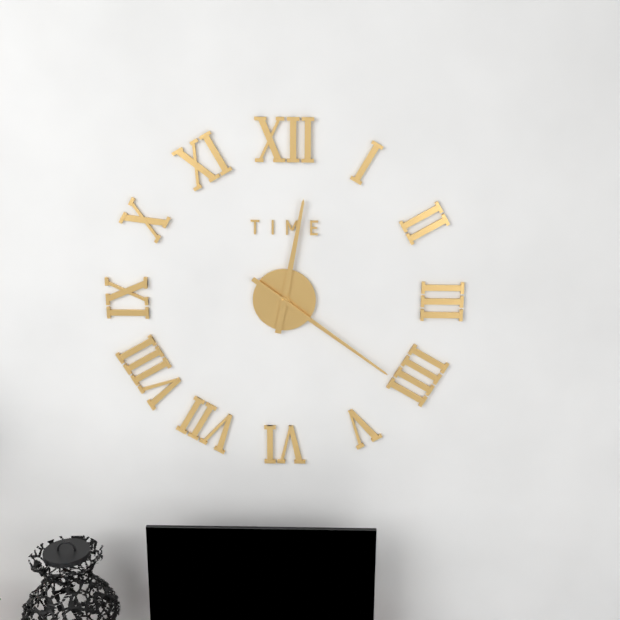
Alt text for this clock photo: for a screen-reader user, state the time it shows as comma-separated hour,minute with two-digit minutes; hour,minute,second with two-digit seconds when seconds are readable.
12,21
